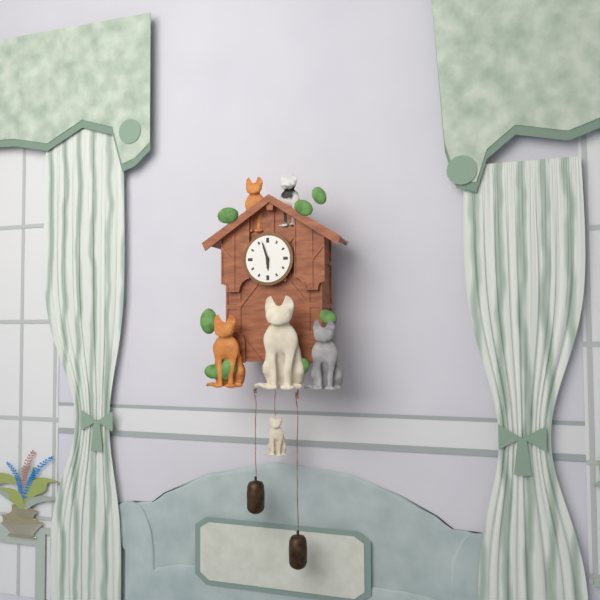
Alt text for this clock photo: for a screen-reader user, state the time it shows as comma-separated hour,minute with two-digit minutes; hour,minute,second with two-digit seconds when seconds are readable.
5,57
